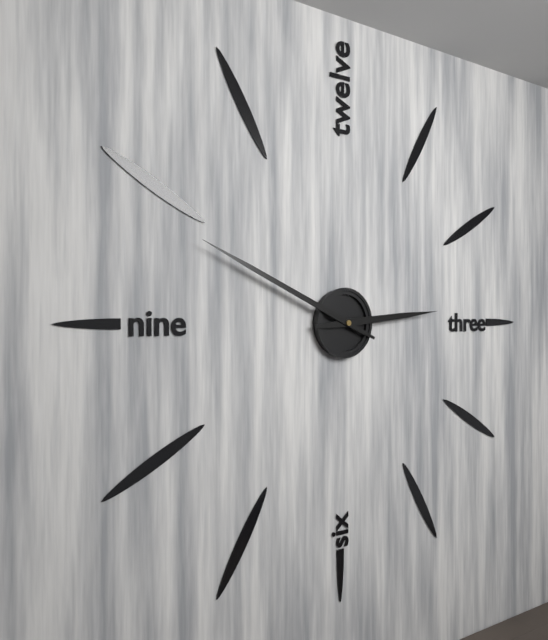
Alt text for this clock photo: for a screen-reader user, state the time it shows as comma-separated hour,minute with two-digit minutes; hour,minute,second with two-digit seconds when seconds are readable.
2,49
